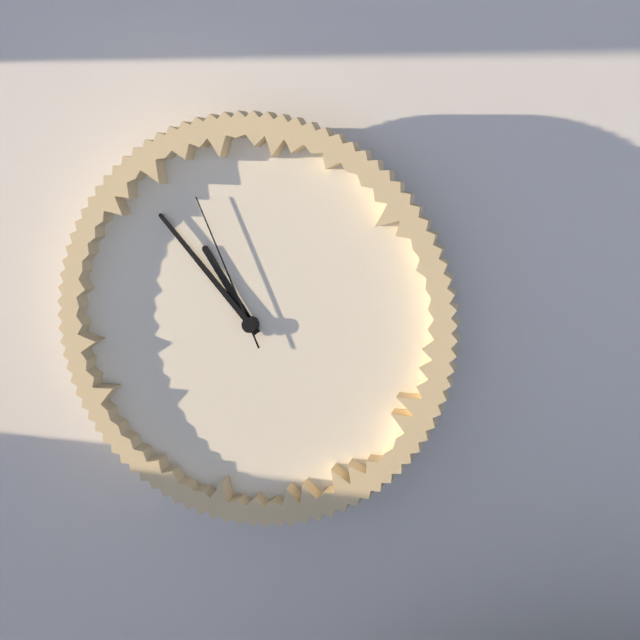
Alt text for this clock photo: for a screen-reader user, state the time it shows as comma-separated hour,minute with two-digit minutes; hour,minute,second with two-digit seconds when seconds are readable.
10,53,56
